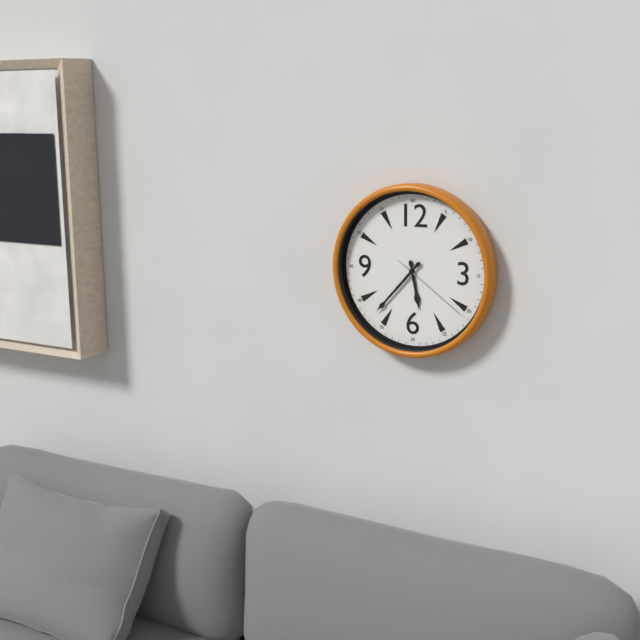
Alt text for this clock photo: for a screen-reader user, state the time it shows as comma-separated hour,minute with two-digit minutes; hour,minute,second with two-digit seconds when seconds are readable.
5,37,21
